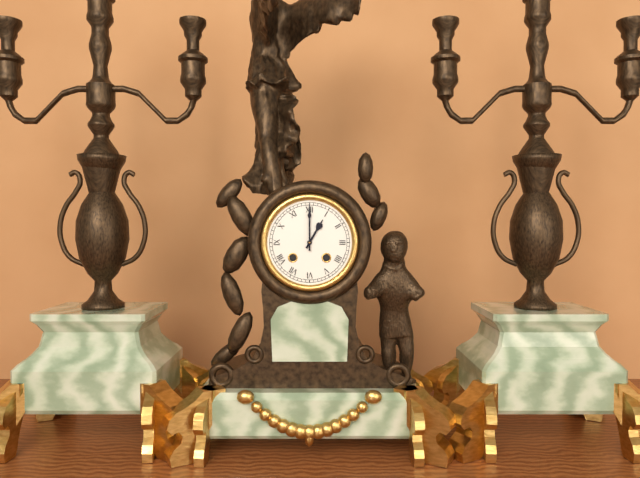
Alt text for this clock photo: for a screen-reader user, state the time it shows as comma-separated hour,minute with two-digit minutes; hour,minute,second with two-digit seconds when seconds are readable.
1,00
